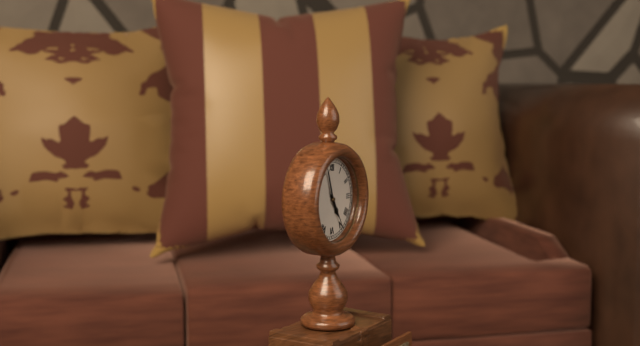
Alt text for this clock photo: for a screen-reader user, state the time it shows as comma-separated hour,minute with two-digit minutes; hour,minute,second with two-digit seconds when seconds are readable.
4,57
